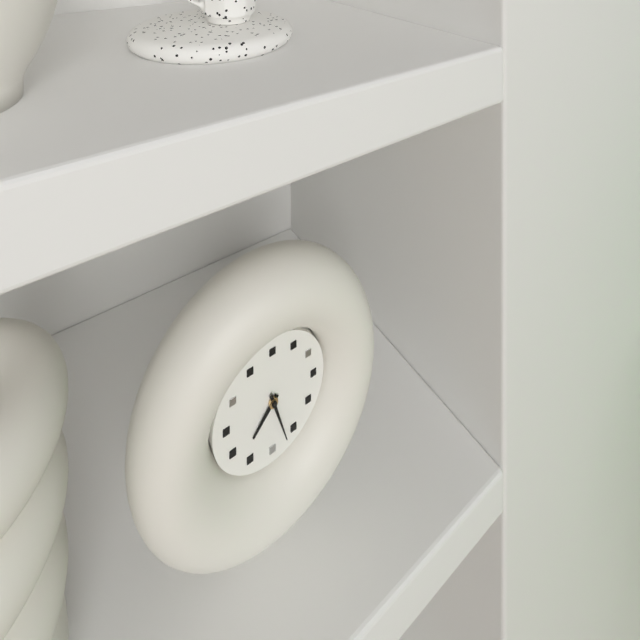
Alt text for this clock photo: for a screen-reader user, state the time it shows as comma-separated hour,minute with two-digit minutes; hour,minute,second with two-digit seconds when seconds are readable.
7,27
